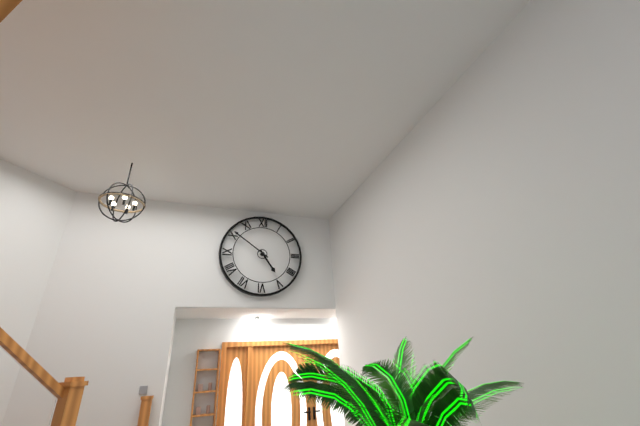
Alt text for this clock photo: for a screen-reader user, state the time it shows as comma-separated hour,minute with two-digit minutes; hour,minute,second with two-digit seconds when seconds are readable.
4,51
